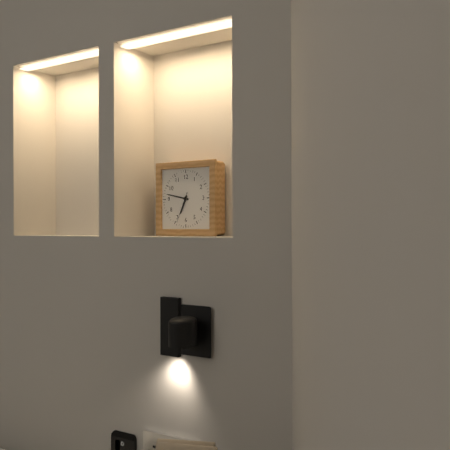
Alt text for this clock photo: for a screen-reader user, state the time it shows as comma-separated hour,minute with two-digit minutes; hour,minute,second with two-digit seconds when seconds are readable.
6,47
